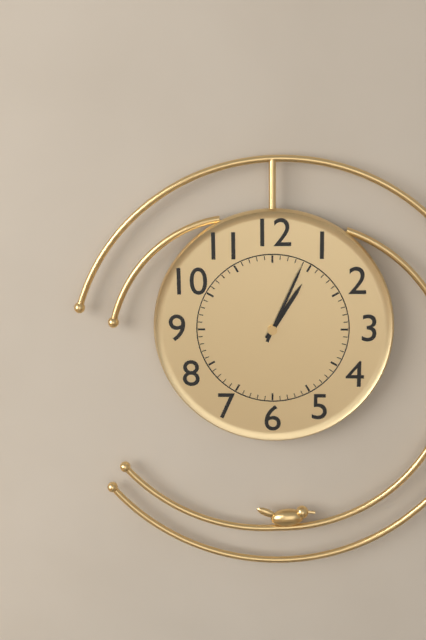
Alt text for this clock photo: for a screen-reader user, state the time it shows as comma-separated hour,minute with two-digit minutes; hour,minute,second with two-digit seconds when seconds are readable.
1,04
